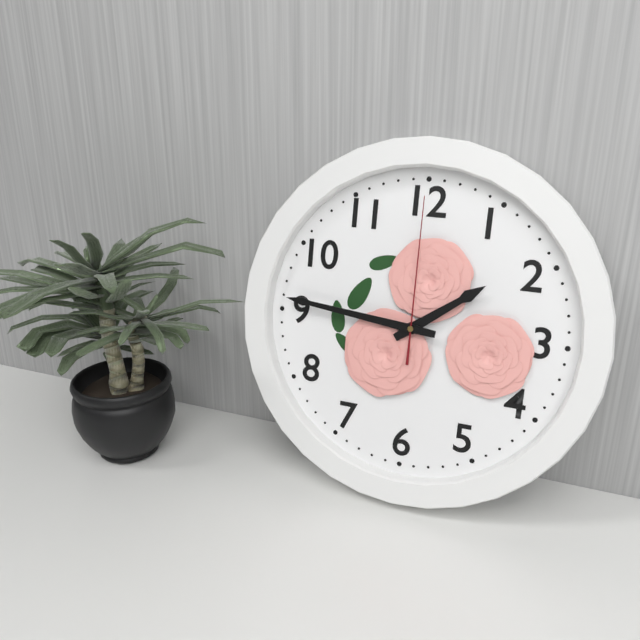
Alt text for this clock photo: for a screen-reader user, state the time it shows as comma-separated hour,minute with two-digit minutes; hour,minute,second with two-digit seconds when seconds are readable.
1,46,00
